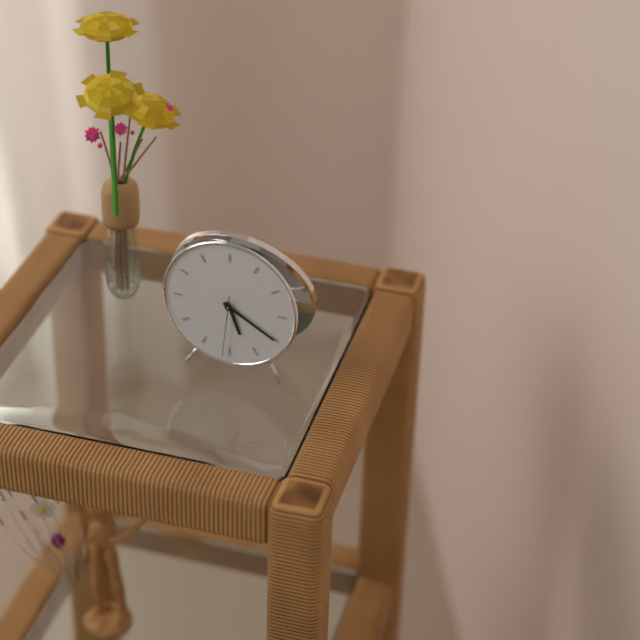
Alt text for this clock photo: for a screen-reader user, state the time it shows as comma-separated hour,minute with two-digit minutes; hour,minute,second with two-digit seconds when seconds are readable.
5,20,31
